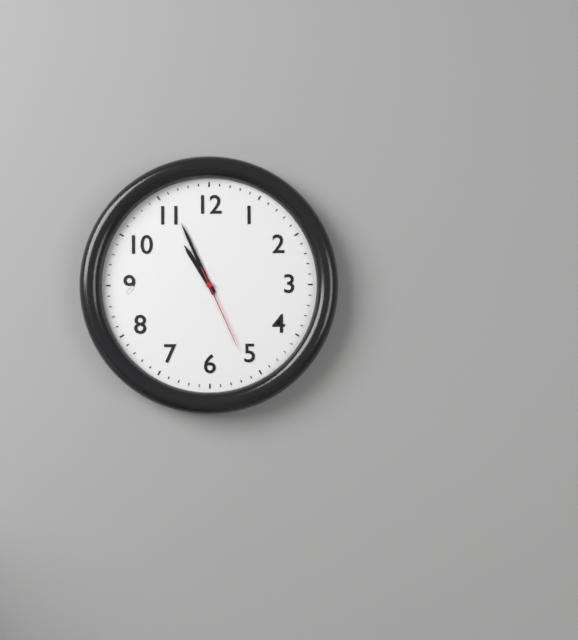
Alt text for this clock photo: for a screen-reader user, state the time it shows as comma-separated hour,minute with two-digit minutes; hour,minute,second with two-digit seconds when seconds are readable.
10,56,26
